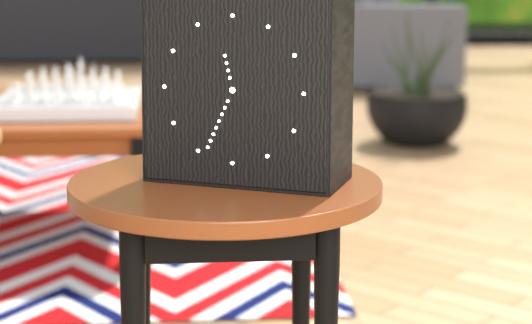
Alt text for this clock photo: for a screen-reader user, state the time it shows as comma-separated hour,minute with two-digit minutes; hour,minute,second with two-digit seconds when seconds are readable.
11,34
